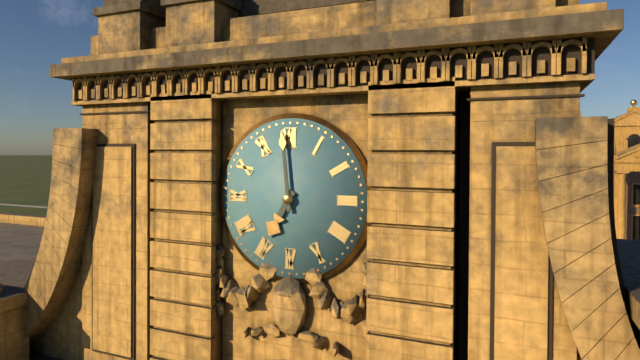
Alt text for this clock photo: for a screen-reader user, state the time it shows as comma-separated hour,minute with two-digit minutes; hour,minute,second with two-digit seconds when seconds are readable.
6,59
